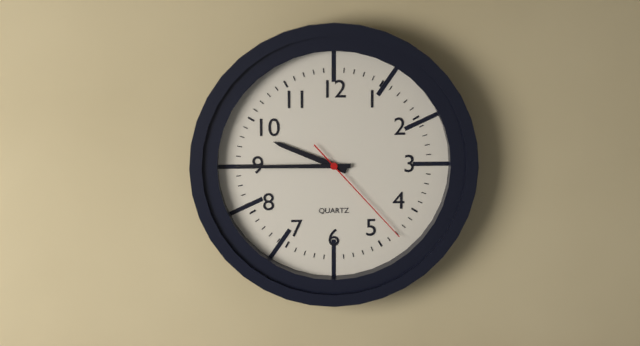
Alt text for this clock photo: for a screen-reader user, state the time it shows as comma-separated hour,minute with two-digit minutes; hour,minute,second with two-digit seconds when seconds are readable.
9,45,23
